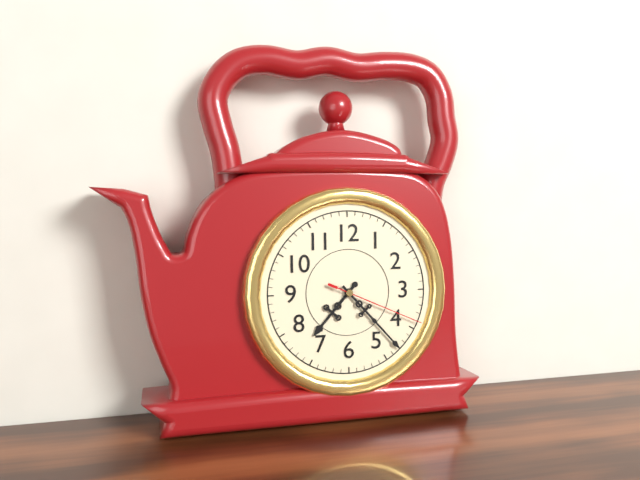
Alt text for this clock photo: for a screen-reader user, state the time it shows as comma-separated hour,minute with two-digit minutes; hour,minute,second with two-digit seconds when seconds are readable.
7,23,19
